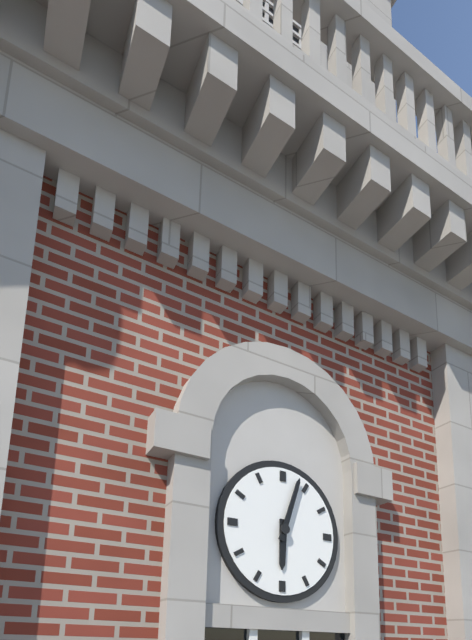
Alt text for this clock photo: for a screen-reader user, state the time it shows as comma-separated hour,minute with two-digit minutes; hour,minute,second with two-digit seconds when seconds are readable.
6,03
